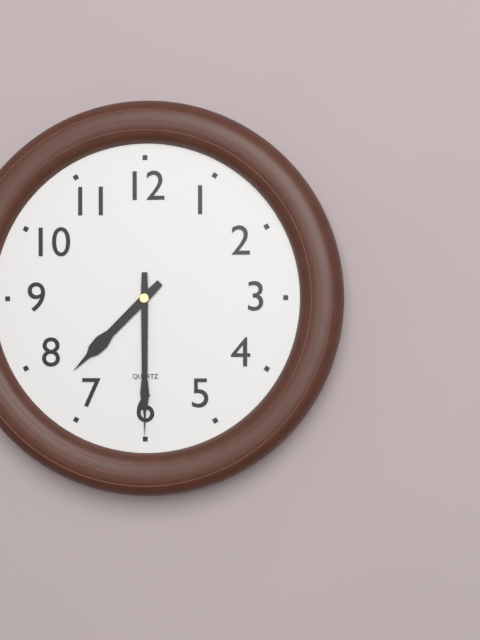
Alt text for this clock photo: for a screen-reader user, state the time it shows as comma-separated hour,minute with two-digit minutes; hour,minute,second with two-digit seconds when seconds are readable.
7,30
